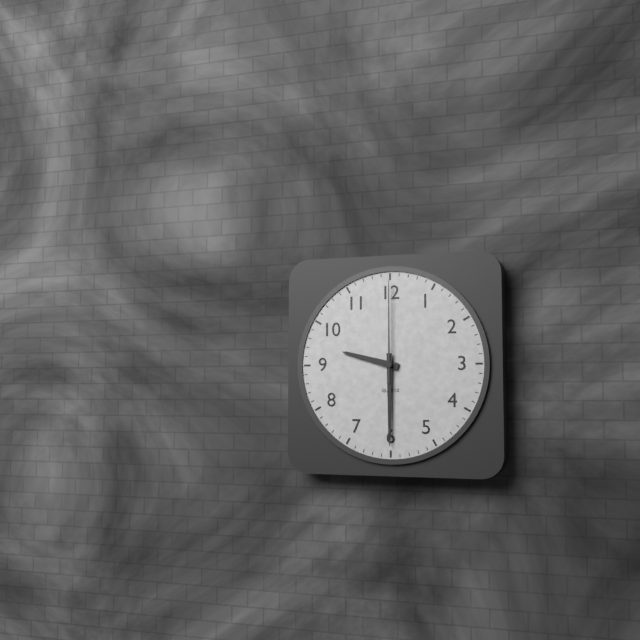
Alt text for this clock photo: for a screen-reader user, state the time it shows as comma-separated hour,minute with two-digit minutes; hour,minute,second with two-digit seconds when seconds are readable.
9,30,00
